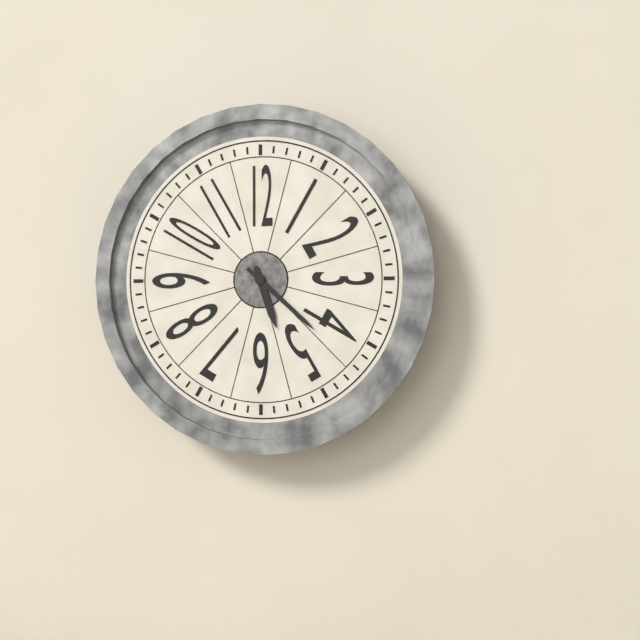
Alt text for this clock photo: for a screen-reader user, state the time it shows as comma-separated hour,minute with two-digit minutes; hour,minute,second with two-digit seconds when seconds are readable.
5,22
